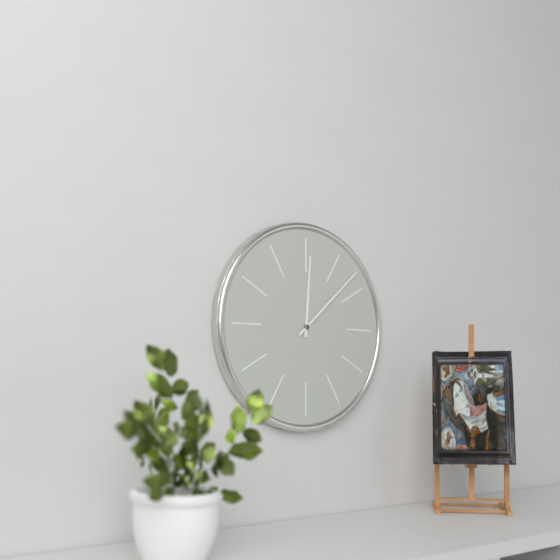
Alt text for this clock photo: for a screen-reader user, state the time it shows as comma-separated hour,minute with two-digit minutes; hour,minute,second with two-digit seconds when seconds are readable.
12,08
